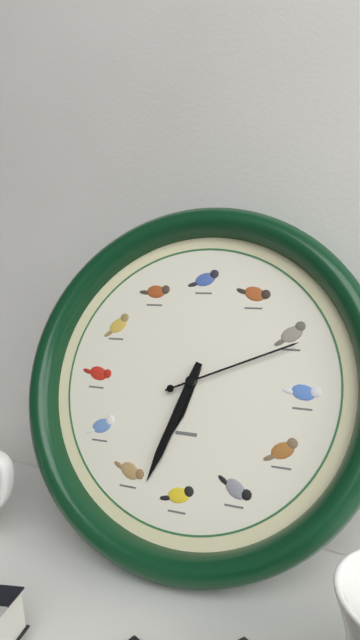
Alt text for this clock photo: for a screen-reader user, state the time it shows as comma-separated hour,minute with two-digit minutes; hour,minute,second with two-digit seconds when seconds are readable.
6,33,11
